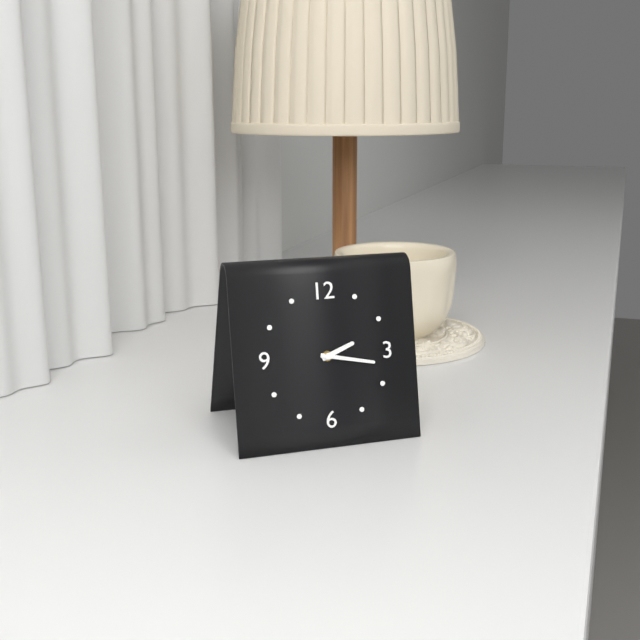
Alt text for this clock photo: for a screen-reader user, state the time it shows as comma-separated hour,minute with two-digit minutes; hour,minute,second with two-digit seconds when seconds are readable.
2,17
